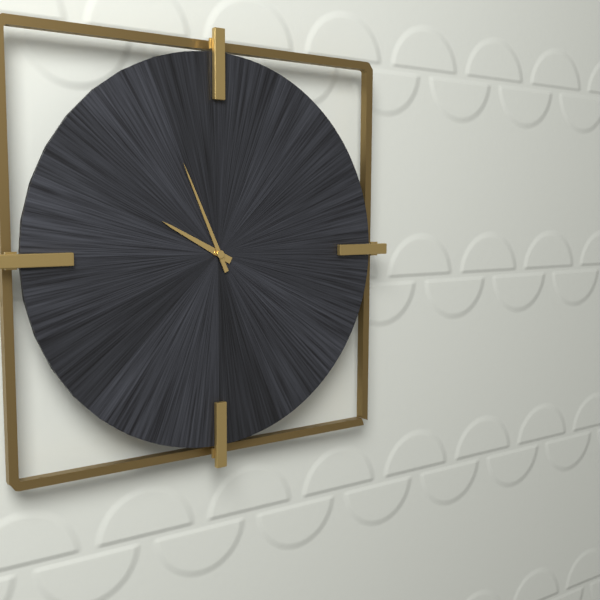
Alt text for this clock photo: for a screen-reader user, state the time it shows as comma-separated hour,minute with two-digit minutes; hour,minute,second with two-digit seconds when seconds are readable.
9,56
